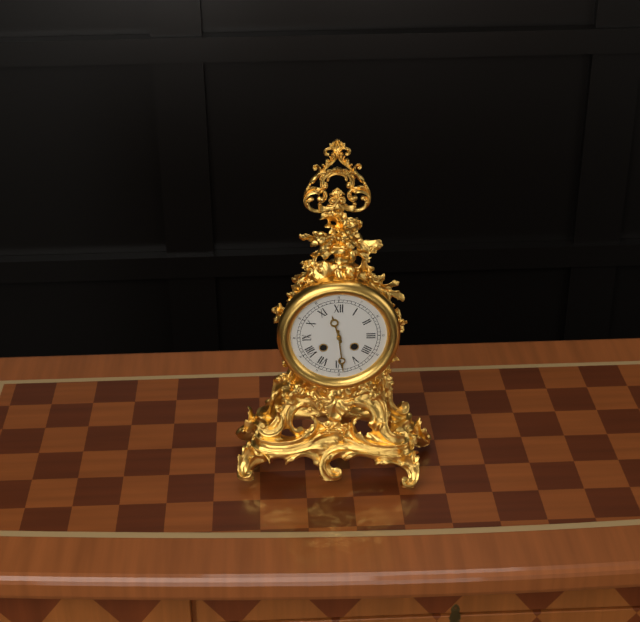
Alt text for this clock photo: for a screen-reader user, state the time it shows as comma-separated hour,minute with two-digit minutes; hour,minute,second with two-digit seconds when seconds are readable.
11,29
